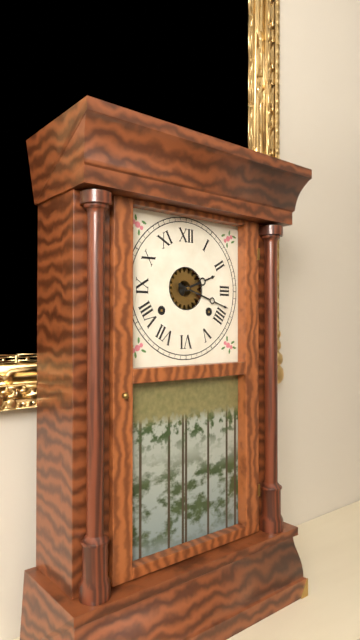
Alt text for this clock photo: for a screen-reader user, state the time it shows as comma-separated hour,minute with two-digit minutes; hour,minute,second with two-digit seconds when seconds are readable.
2,18
